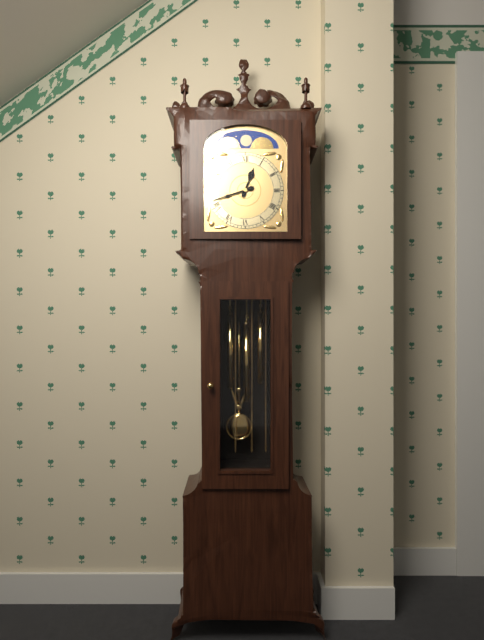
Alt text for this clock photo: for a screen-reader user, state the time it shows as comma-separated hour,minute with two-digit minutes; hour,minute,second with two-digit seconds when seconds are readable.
12,42
